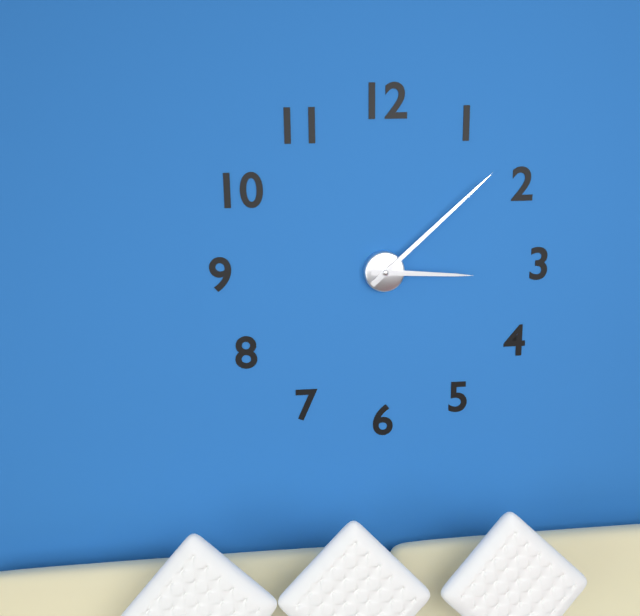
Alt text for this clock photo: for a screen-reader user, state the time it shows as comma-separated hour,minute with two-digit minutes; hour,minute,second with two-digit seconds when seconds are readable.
3,08
